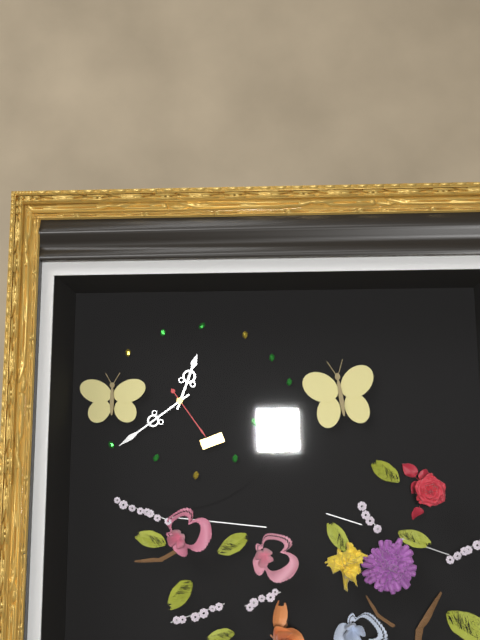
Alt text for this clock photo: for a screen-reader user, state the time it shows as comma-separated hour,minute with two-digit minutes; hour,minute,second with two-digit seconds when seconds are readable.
12,39,24
